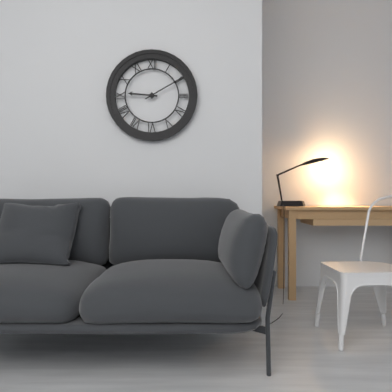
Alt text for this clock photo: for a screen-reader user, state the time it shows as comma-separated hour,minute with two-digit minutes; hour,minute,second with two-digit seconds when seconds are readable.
9,10
